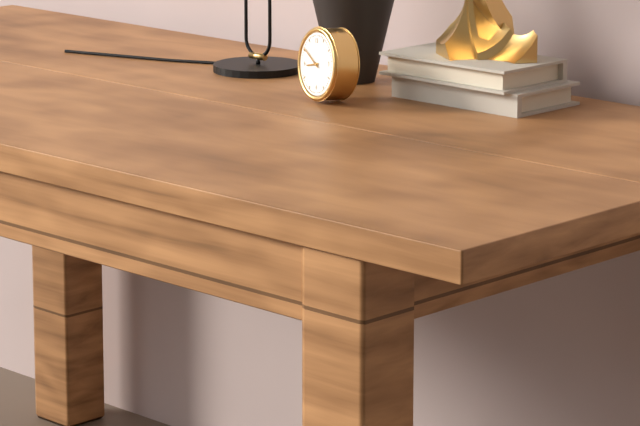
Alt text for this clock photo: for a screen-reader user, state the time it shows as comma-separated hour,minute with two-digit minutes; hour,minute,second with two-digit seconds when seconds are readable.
8,51
